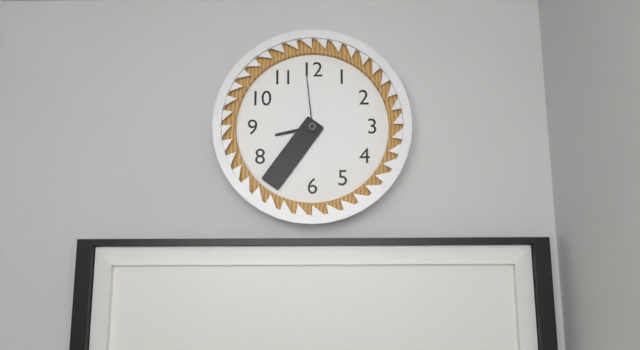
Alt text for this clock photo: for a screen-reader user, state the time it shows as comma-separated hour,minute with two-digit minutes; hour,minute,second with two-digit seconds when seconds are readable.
8,36,59
